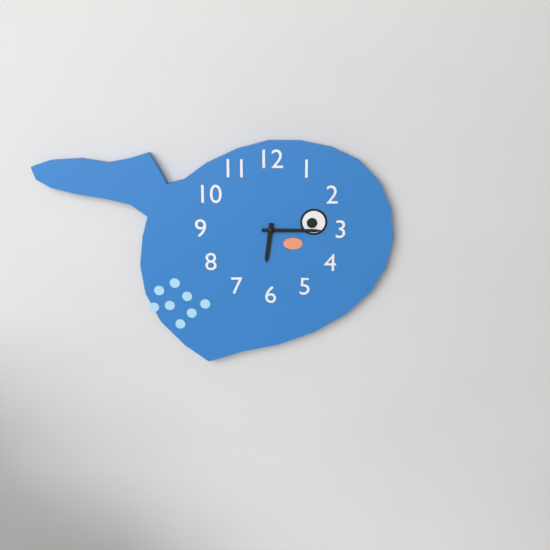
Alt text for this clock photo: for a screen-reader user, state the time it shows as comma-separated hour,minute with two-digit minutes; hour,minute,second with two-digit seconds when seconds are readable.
6,15
